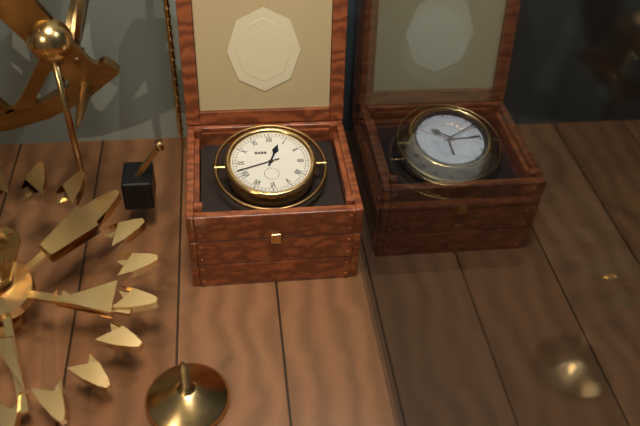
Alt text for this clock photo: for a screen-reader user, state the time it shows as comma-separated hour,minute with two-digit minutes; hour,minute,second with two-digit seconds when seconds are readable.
12,42
